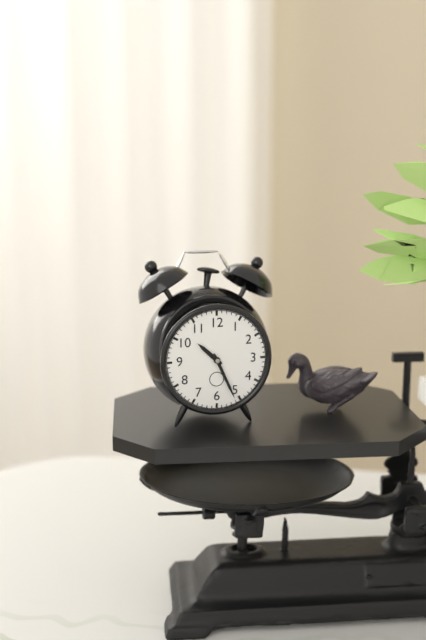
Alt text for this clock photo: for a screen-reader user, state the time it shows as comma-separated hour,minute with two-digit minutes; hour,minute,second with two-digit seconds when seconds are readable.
10,26
